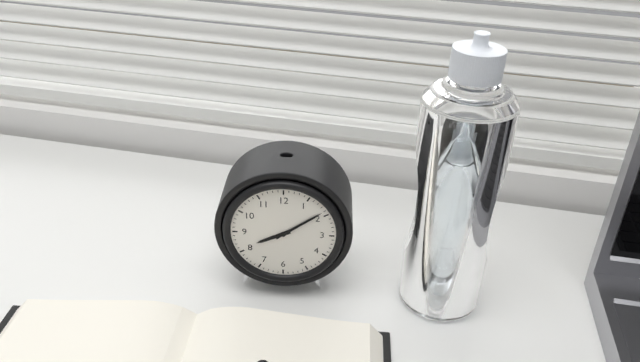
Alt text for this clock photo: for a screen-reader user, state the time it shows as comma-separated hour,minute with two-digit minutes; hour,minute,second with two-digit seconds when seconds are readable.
8,09
